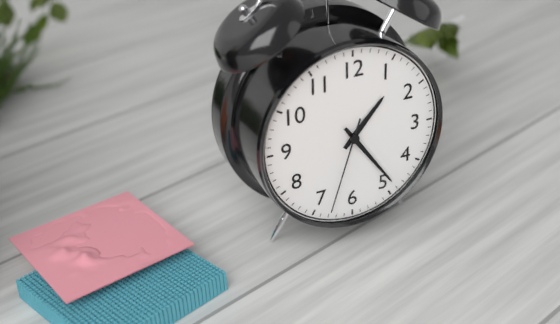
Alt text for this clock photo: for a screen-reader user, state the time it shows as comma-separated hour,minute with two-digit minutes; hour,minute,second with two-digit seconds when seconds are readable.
1,24,33
